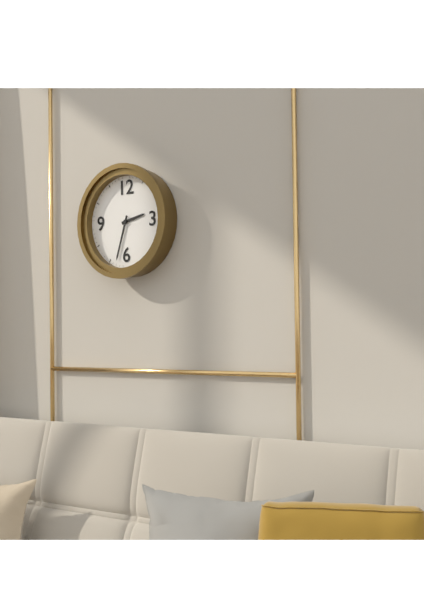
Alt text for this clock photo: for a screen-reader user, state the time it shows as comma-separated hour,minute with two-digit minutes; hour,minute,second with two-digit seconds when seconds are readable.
2,33
